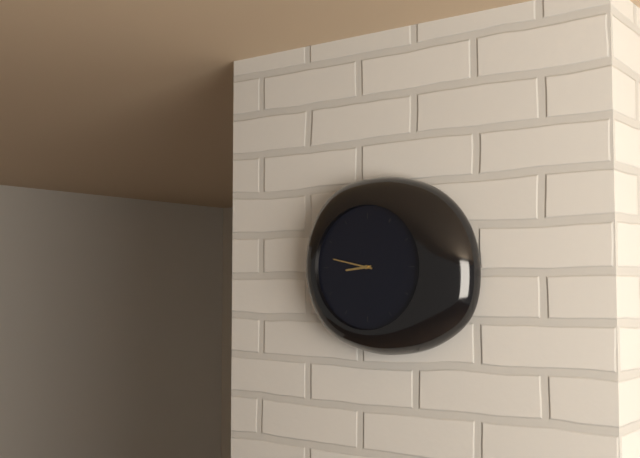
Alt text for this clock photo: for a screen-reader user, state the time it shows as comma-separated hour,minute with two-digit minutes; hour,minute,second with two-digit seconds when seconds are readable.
8,47
